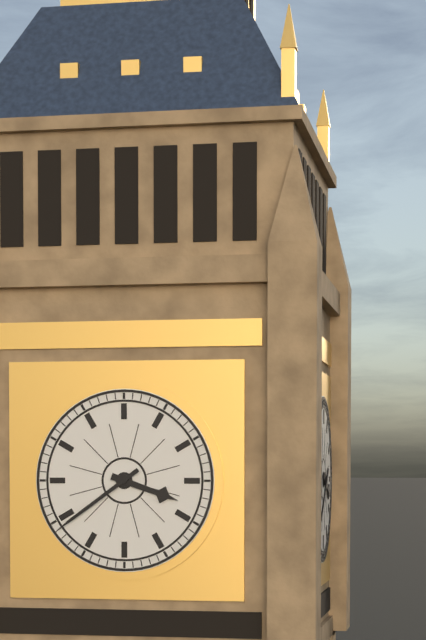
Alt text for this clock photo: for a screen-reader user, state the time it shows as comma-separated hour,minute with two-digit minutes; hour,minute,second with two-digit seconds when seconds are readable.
3,39
